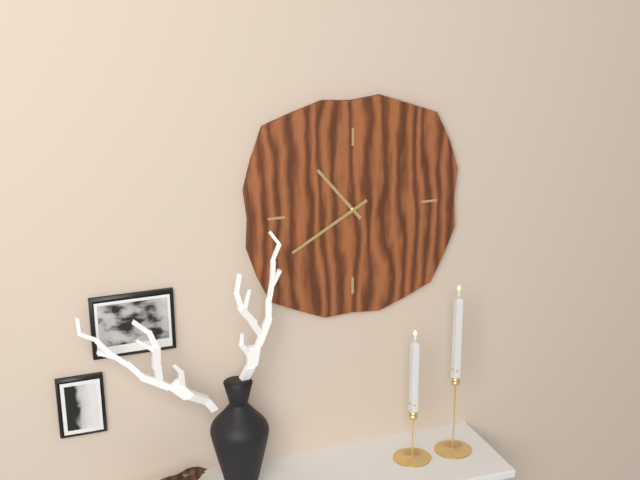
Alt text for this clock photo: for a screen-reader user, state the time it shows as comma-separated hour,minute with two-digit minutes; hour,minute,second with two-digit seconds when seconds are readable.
10,40
